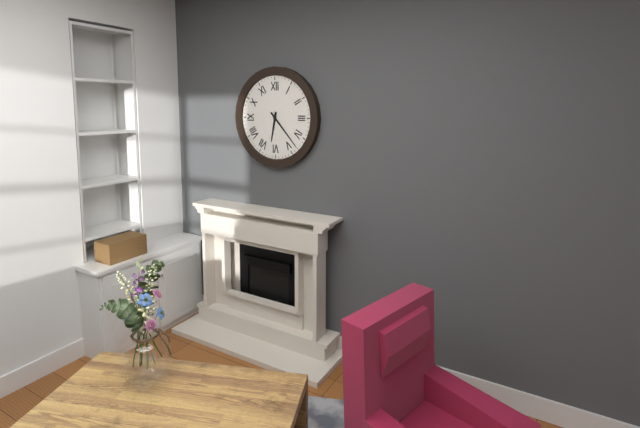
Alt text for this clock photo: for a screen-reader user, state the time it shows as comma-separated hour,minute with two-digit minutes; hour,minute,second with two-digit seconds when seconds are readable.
6,23
